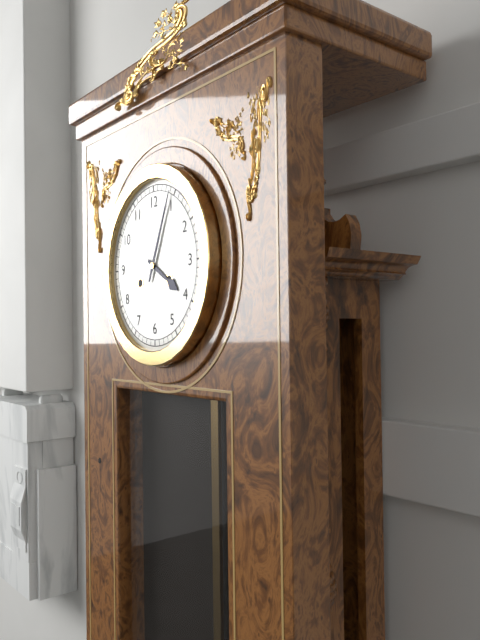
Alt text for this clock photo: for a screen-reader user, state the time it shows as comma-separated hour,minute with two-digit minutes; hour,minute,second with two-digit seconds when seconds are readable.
4,04
